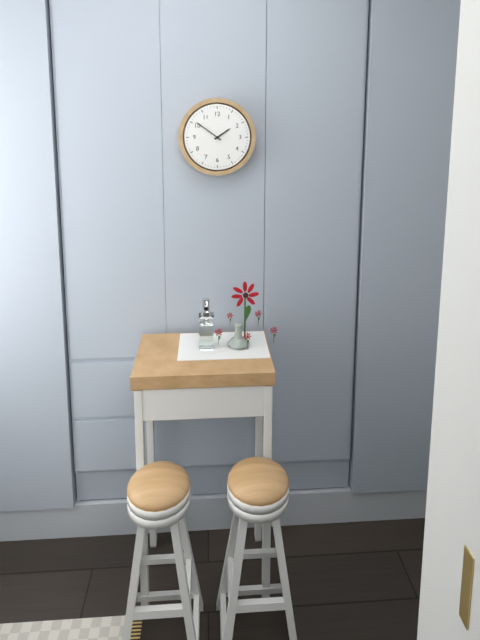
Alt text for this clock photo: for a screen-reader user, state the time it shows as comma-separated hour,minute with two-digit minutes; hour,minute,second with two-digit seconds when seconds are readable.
1,51
